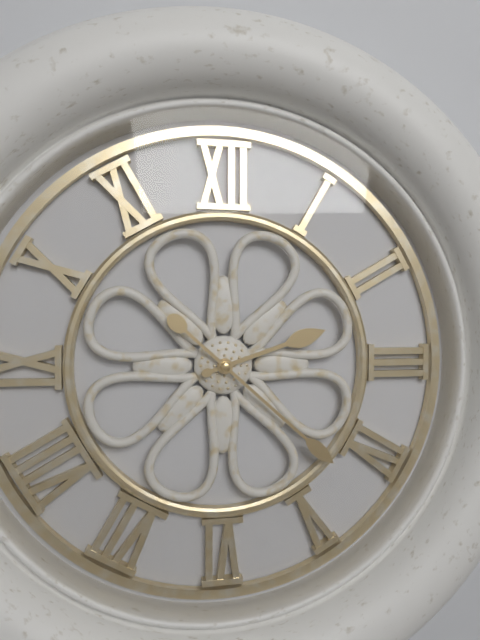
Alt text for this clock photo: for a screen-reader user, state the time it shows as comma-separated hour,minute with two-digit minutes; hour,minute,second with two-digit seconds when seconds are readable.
2,22
